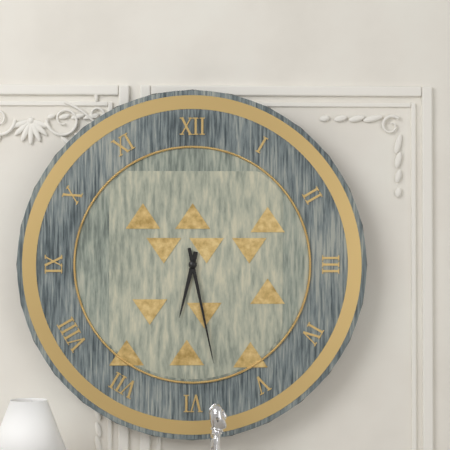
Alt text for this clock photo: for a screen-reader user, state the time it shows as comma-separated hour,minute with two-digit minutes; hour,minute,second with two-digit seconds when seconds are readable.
6,28
